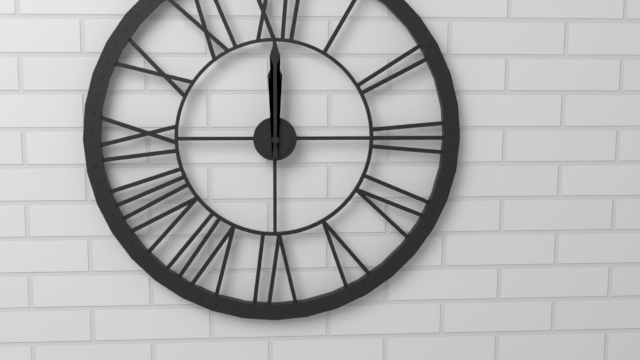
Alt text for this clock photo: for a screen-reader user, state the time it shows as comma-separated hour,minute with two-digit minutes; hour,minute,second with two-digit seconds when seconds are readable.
12,00
